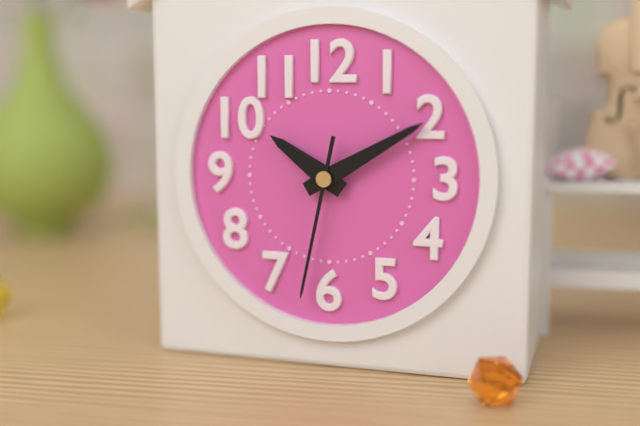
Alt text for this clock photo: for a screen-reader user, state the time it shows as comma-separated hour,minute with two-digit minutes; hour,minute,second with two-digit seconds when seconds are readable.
10,10,32
